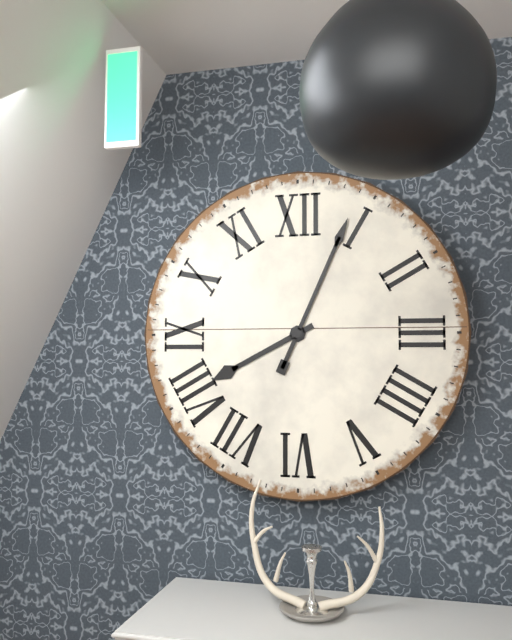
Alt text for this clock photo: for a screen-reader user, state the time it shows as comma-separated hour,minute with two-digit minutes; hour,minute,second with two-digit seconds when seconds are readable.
8,04
